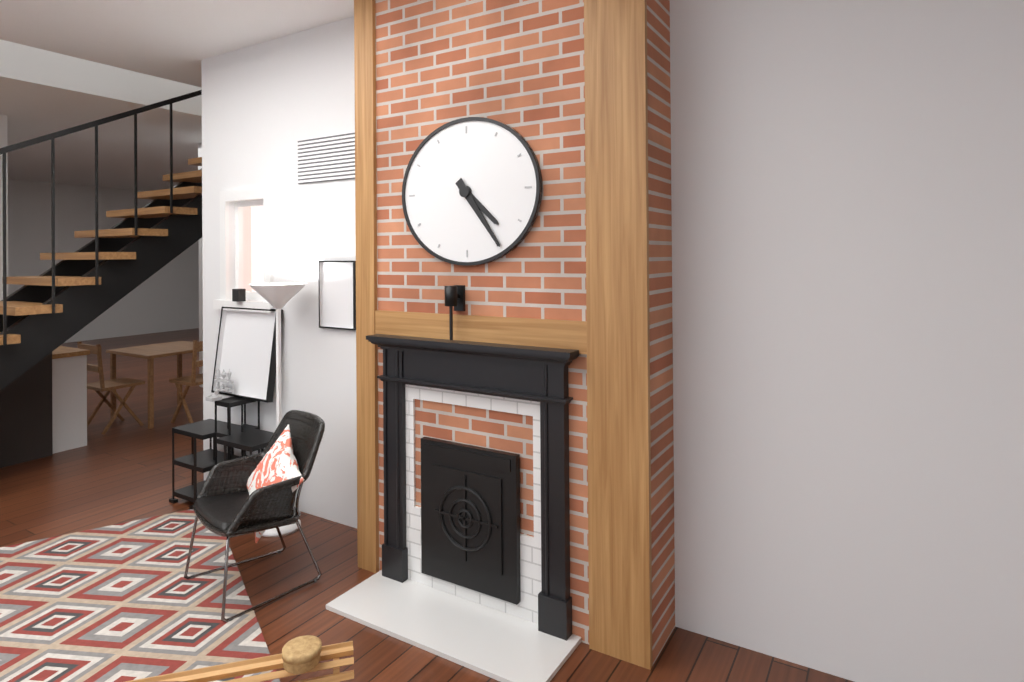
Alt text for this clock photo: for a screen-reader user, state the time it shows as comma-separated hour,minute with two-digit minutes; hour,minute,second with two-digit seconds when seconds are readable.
4,24
